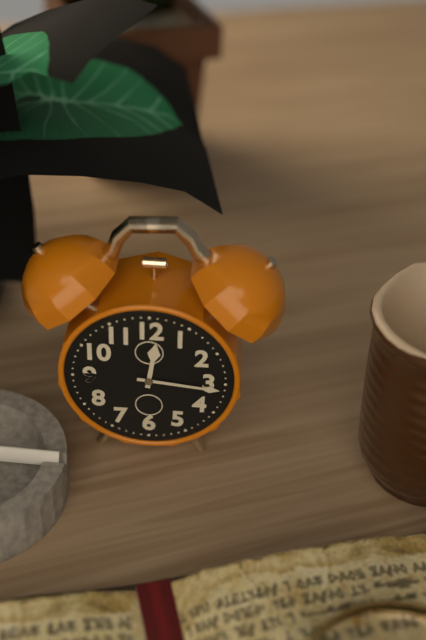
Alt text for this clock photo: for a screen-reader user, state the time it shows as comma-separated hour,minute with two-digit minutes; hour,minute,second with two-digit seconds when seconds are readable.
12,16
